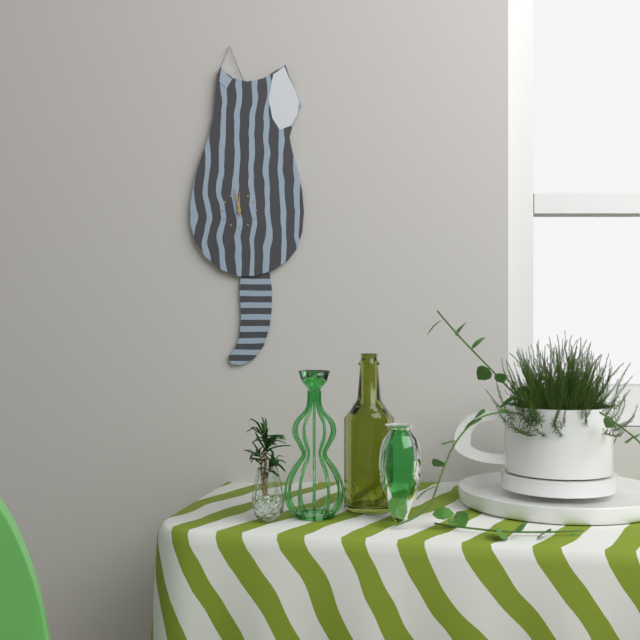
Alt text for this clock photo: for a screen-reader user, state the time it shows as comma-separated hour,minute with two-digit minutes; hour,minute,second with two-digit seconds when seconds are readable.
11,58
